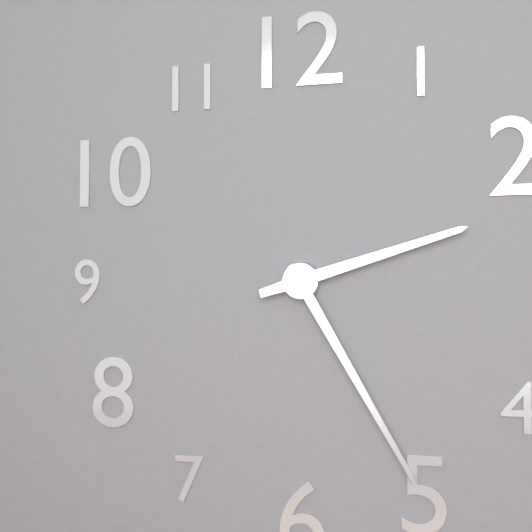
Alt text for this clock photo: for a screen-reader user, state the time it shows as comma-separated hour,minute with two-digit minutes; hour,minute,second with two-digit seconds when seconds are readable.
2,25
